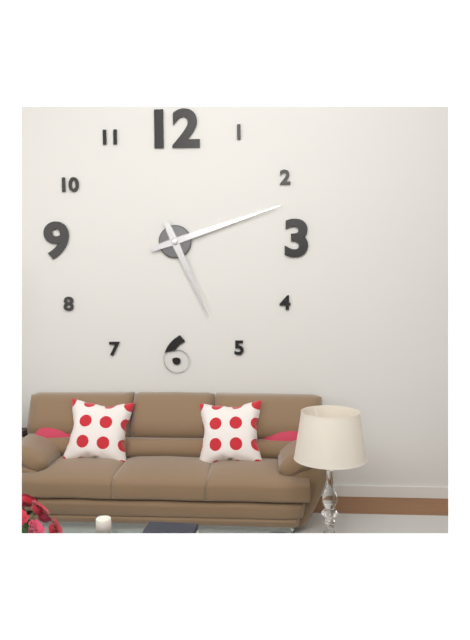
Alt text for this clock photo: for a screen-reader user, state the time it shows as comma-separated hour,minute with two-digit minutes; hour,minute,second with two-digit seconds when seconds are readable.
5,12
